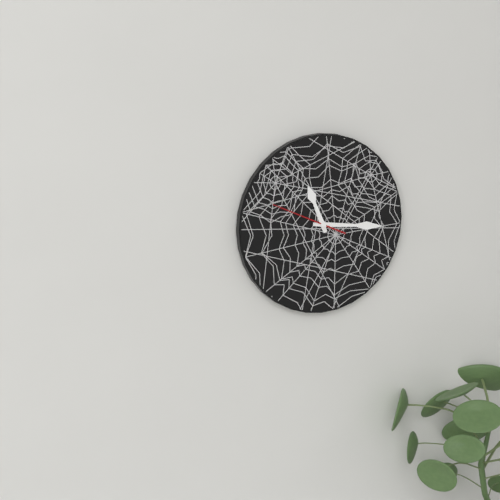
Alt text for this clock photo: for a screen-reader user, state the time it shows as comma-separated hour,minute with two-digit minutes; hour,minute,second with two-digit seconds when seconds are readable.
11,16,49
